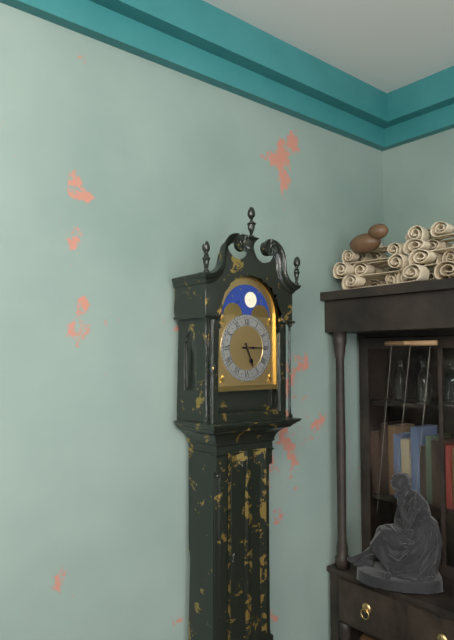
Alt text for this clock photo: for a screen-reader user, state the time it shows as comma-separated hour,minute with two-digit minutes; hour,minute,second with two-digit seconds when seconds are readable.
5,15
